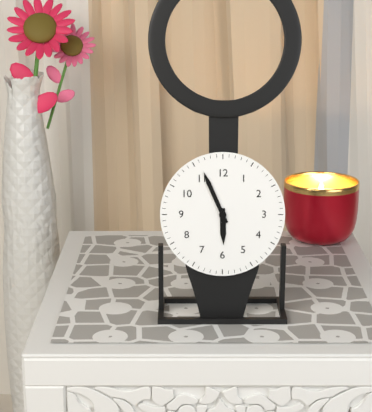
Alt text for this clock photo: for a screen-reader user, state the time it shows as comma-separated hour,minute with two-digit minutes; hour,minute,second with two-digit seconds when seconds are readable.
5,56
